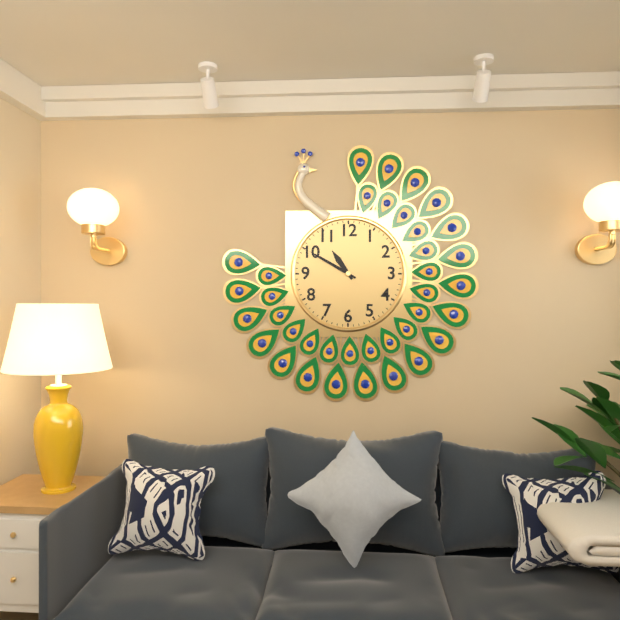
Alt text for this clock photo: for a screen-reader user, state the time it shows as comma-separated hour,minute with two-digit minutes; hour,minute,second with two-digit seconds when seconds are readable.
10,50
